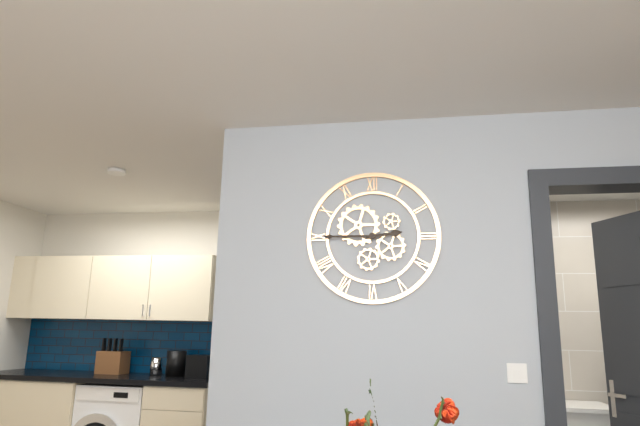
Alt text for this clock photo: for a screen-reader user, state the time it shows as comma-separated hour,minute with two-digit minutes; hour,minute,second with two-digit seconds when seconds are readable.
2,45
